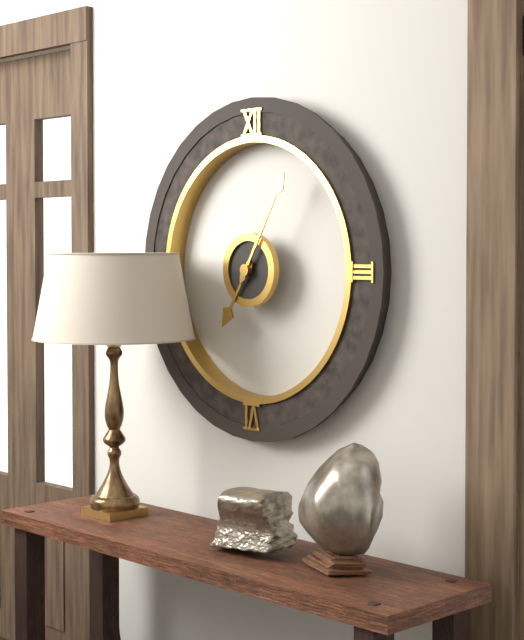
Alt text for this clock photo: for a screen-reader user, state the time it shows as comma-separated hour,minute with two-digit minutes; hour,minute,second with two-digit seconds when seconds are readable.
7,05
